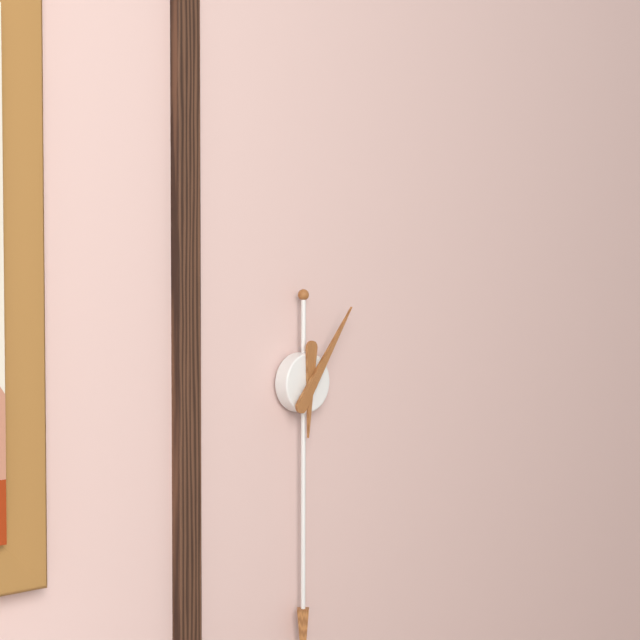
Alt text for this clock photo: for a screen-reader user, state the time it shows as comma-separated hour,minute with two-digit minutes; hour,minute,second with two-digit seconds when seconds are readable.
6,06
